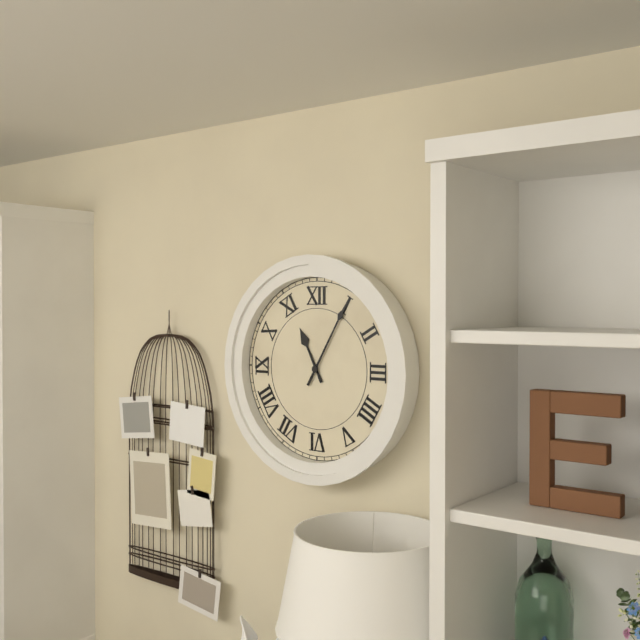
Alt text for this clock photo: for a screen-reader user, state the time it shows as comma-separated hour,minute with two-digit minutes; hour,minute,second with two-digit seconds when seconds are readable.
11,05
